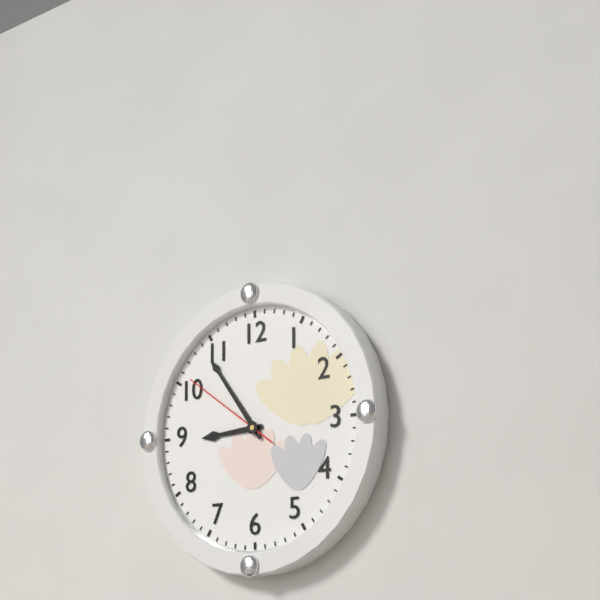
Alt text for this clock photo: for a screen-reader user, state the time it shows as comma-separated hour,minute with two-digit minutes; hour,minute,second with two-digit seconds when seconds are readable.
8,54,51
